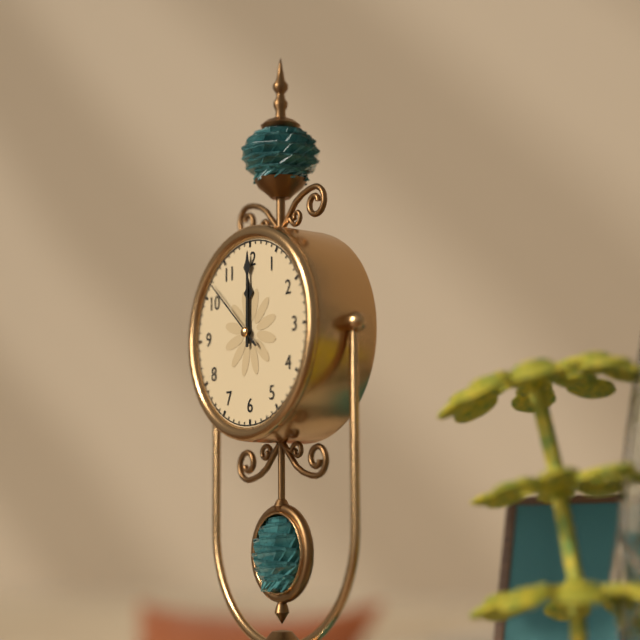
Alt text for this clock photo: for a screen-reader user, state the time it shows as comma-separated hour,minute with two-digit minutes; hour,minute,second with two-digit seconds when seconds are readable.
12,00,52
